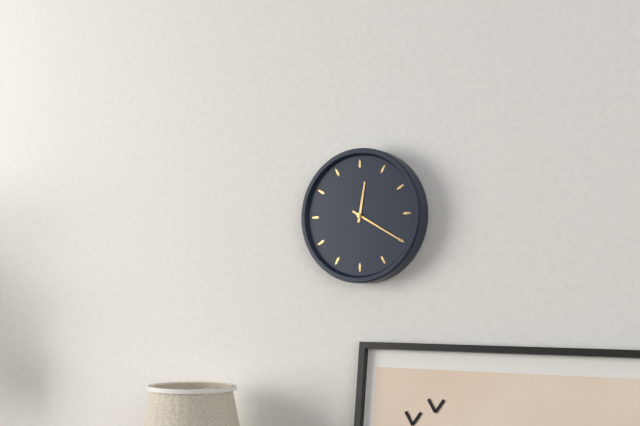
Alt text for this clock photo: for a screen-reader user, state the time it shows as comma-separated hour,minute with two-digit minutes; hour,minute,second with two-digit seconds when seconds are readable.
12,20
